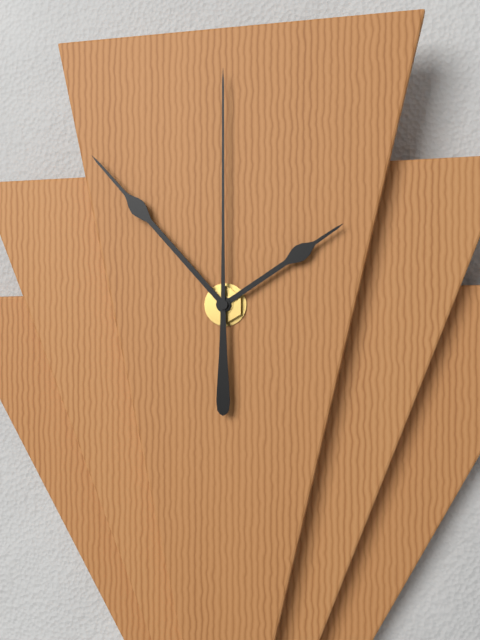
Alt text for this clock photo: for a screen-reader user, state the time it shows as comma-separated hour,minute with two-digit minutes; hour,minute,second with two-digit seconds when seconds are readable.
1,53,00
